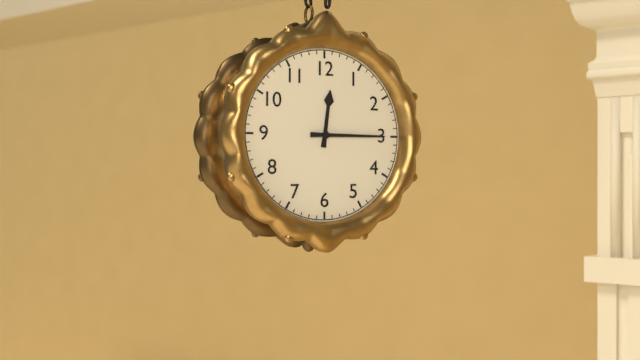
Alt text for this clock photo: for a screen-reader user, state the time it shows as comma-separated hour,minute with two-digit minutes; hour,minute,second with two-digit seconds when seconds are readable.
12,15
